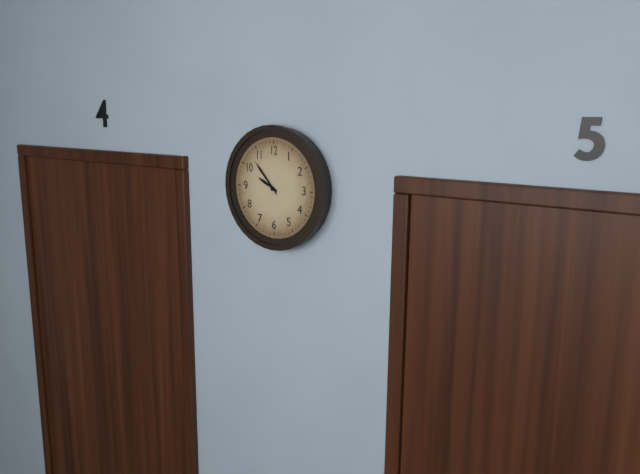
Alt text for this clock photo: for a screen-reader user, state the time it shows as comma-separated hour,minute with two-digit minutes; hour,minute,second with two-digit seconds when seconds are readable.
9,53
